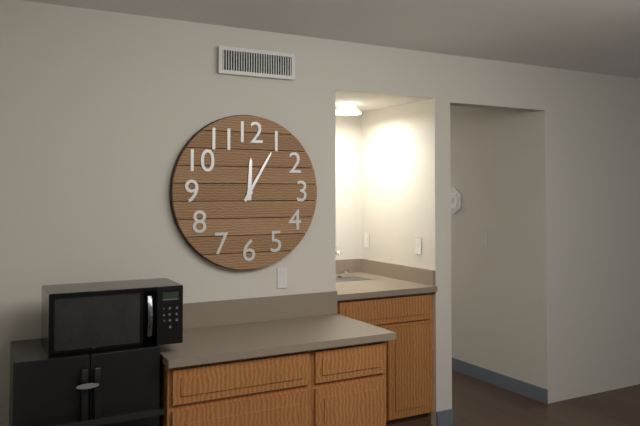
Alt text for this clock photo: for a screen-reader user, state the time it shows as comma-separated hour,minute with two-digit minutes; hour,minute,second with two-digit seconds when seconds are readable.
12,05
